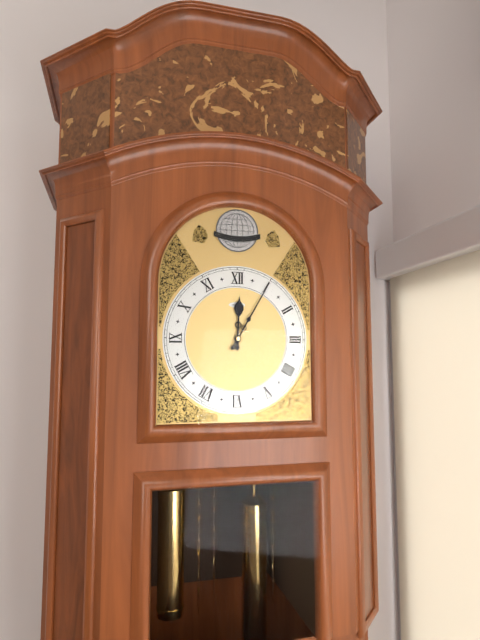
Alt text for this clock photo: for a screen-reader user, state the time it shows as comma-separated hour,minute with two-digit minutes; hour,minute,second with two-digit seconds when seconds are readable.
12,05
